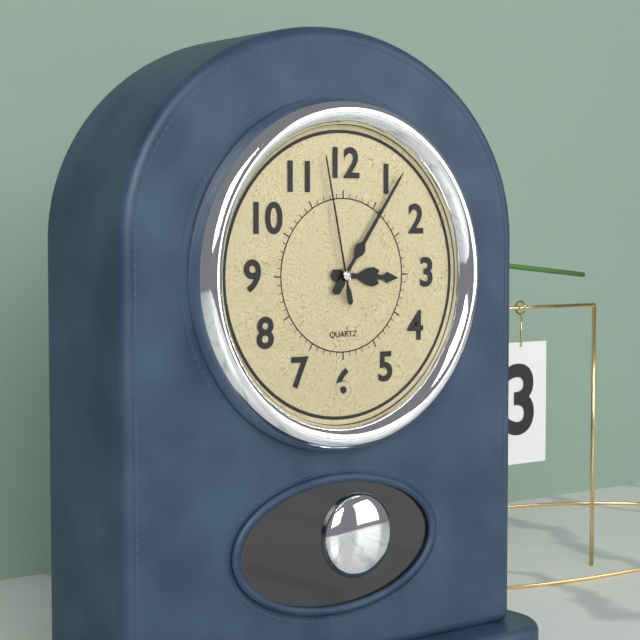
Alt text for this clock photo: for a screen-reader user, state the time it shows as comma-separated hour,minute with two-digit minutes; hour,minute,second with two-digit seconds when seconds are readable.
3,06,58
